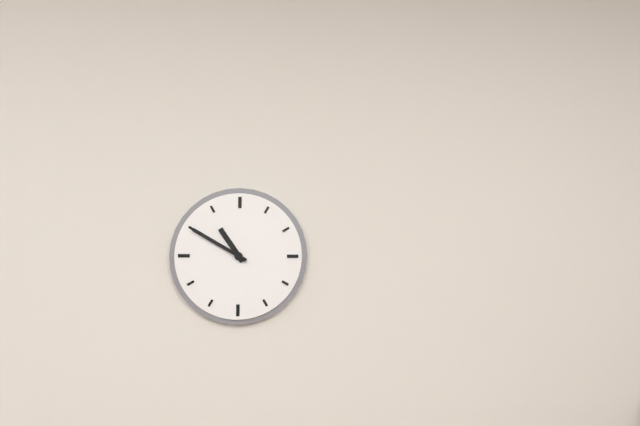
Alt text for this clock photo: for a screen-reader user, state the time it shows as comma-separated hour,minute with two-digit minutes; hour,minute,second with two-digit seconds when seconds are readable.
10,50
